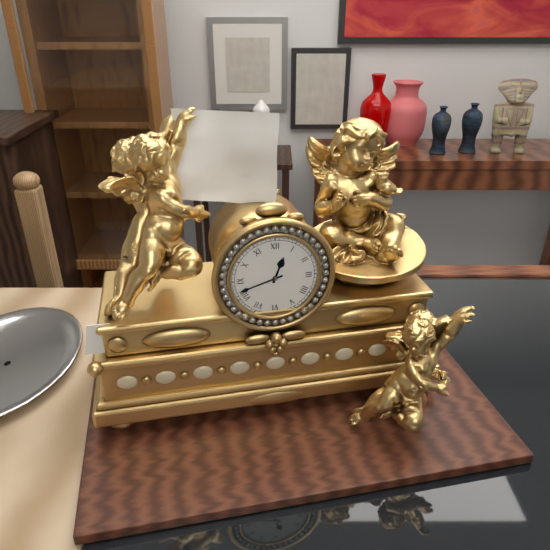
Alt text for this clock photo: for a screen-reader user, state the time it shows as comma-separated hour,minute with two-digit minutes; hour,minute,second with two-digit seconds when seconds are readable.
12,42
